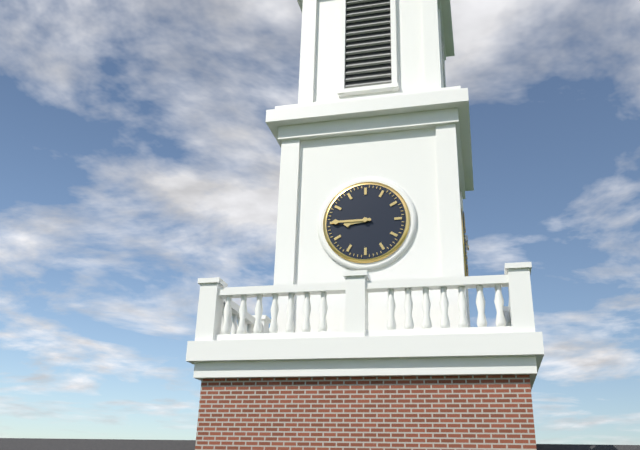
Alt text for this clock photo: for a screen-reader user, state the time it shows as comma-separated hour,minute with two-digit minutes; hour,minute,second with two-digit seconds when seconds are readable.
8,45
